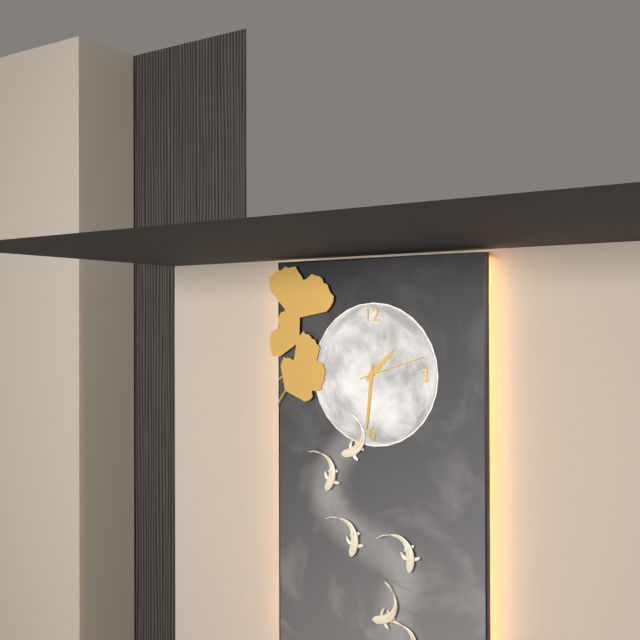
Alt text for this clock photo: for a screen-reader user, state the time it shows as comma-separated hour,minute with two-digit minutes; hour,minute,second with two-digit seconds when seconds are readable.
1,31,12
